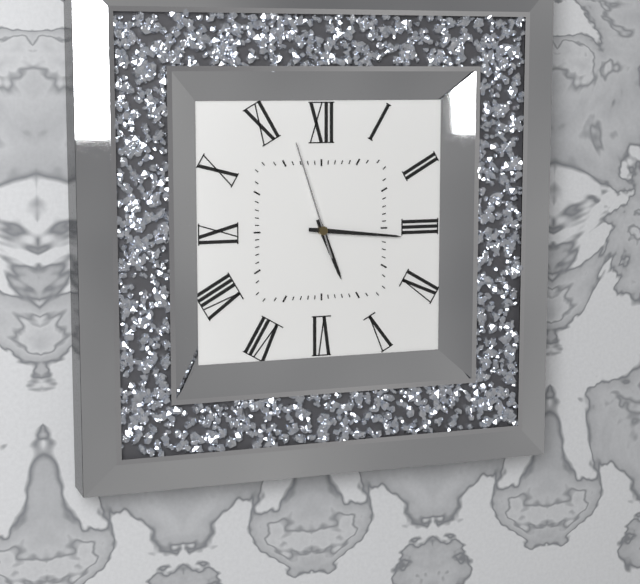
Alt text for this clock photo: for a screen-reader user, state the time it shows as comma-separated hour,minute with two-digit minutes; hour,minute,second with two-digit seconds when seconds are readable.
5,16,57
